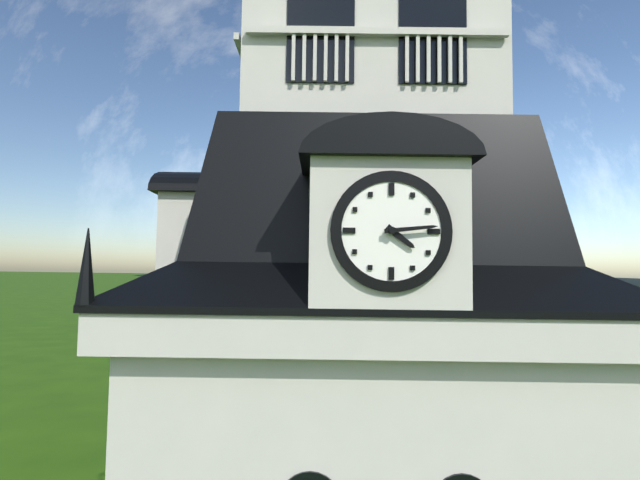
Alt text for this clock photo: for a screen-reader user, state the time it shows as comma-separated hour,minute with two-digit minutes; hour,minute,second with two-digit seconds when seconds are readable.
4,14
